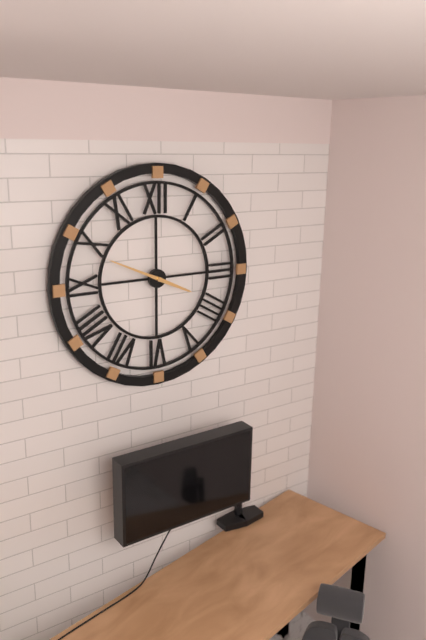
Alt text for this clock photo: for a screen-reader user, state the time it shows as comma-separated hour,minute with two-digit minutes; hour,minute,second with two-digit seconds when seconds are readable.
3,49
